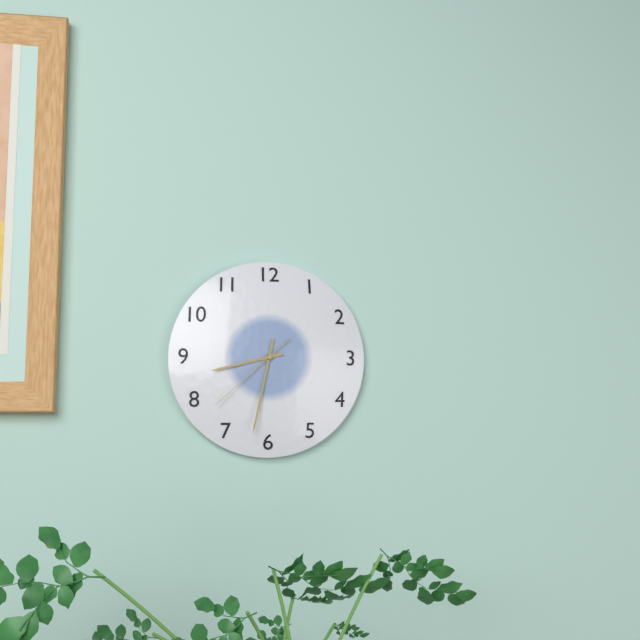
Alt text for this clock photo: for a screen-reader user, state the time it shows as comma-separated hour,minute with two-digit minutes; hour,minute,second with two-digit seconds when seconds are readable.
8,32,38
